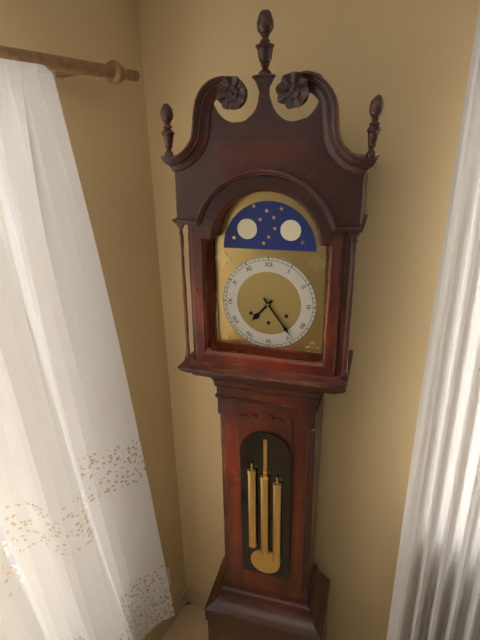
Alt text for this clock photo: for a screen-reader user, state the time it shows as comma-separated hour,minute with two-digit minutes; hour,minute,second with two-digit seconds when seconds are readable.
7,24
